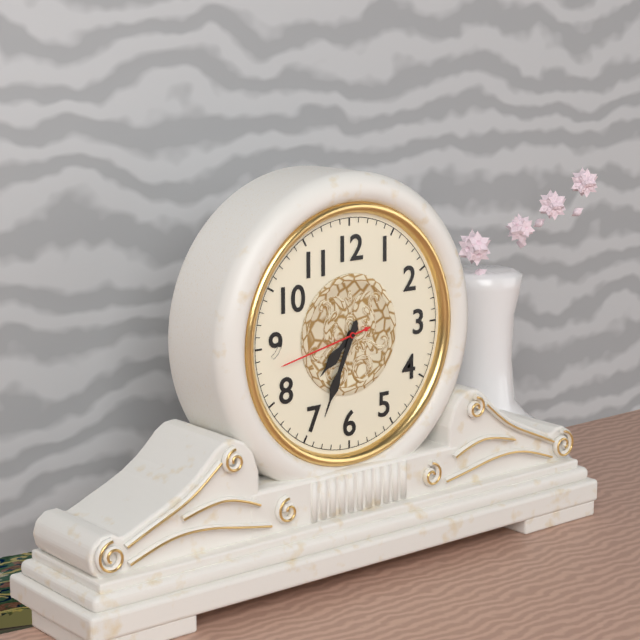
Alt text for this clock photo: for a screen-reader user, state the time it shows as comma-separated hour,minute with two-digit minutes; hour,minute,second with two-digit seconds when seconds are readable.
7,34,43
